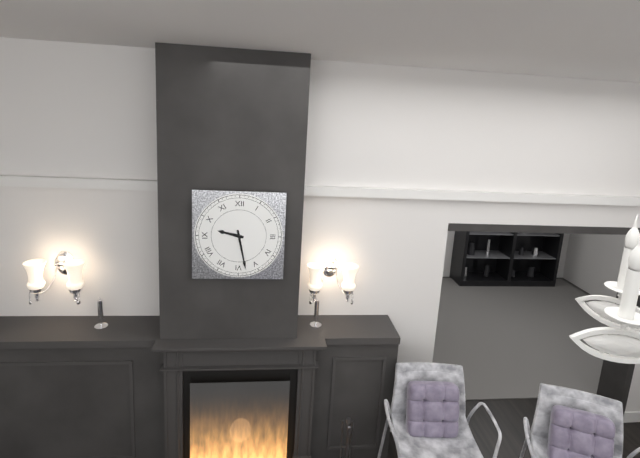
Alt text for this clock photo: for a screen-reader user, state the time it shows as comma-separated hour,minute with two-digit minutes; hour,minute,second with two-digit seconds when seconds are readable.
9,28
